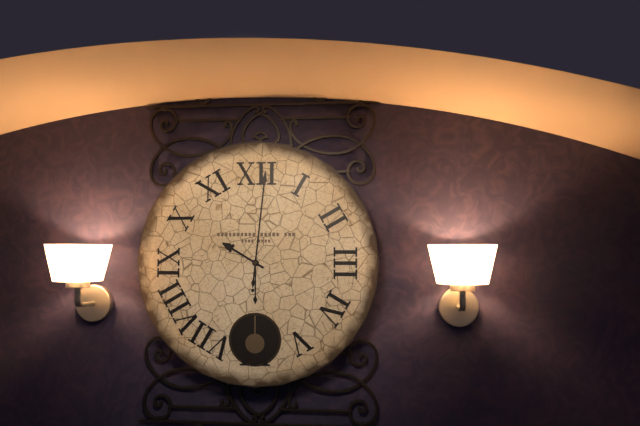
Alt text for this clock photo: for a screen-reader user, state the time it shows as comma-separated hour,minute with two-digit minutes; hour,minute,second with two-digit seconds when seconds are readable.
10,01
